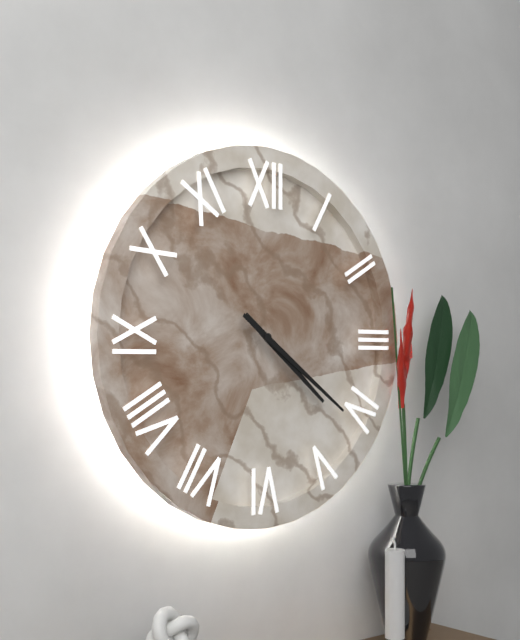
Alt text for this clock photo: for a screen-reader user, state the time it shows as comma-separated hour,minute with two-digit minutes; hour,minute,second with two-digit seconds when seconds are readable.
4,21
